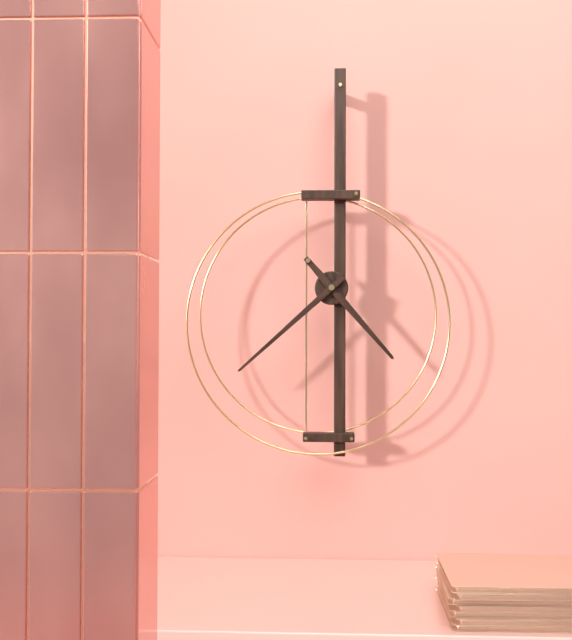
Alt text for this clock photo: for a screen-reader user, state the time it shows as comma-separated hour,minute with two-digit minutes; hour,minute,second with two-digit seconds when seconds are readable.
4,38
